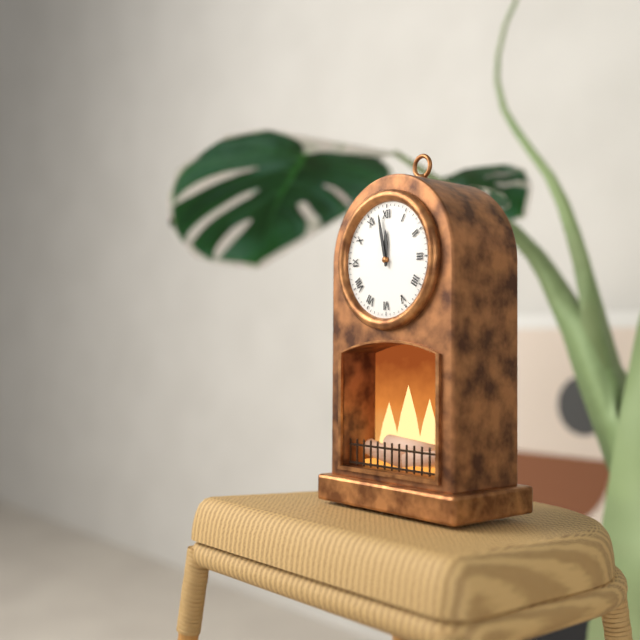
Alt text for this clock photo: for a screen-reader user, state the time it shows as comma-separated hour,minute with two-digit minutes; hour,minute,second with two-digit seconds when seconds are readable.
11,58
